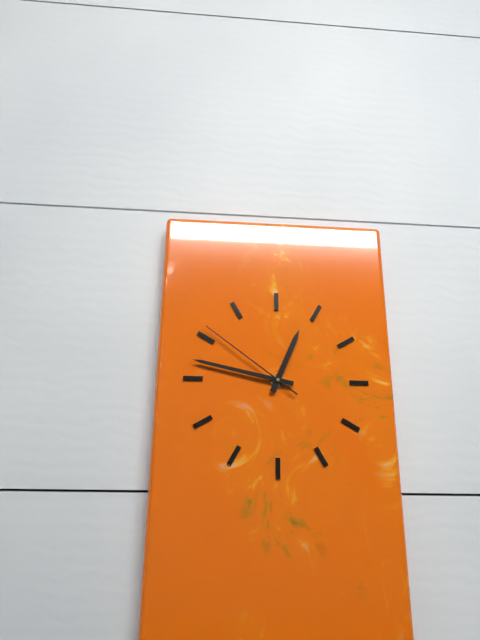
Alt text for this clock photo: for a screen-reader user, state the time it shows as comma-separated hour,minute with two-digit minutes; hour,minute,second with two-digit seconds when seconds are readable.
12,47,51
